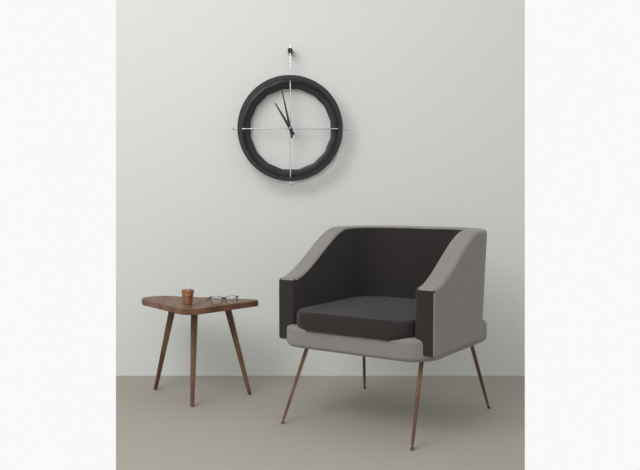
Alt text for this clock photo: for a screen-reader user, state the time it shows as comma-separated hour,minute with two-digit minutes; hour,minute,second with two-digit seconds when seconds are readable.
10,58
